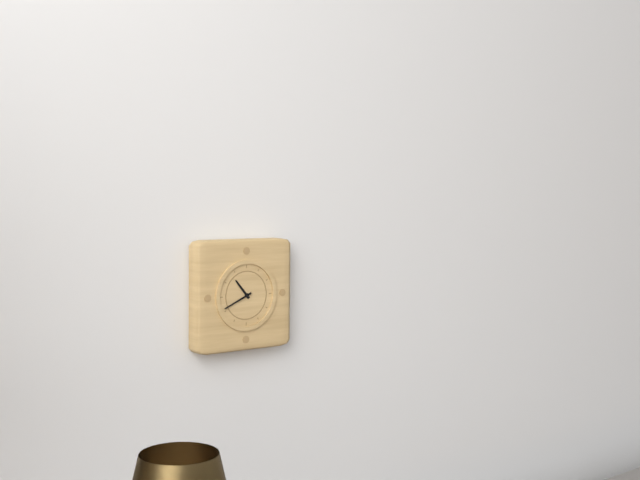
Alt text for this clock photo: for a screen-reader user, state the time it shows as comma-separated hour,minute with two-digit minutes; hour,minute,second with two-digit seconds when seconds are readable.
10,41
